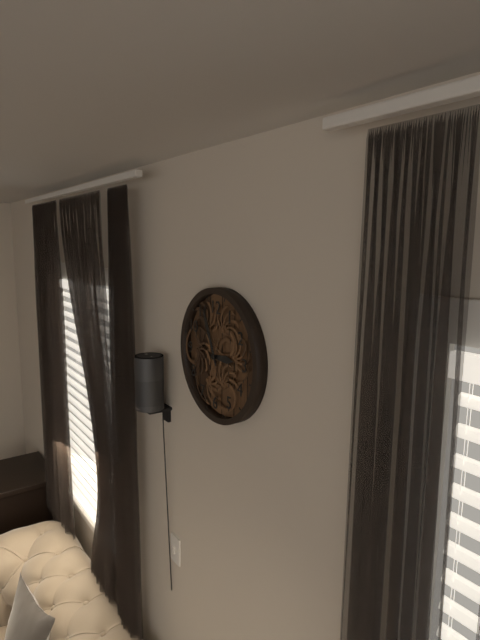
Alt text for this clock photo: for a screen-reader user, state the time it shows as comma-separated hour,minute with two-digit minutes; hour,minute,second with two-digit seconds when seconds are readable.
2,56
